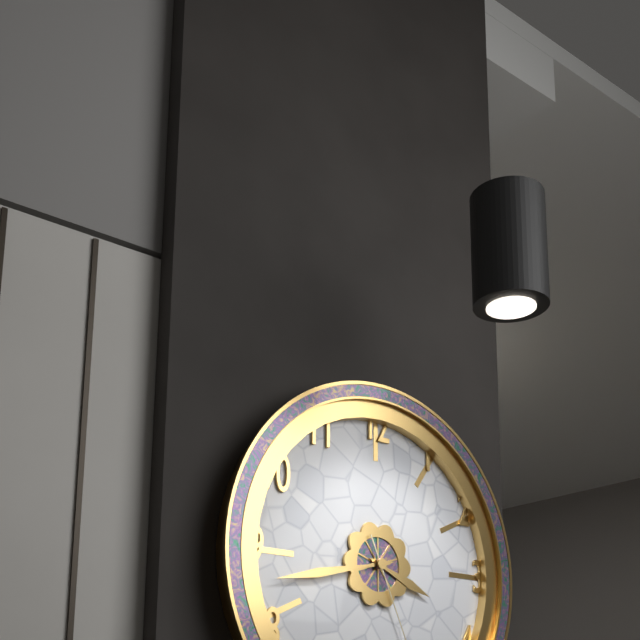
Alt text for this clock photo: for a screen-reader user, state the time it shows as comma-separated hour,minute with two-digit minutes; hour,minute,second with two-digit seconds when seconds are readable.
3,43
